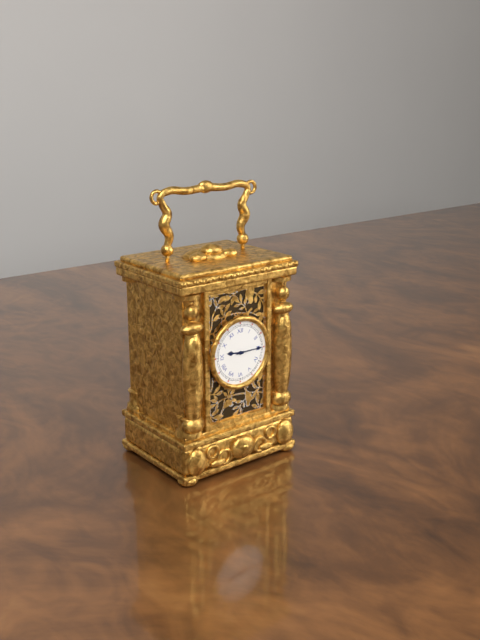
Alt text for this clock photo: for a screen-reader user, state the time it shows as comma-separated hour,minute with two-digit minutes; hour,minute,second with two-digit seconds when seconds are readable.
9,15
